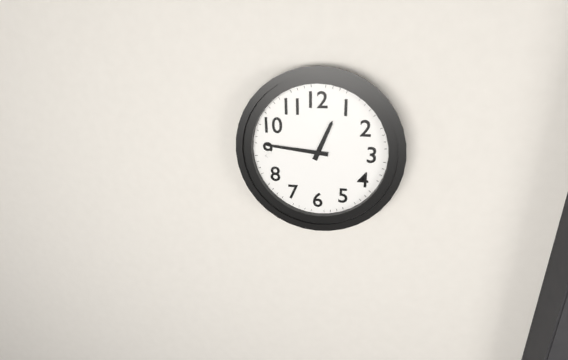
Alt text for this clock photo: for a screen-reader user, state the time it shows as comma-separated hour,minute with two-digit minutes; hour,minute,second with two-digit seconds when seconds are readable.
12,46
